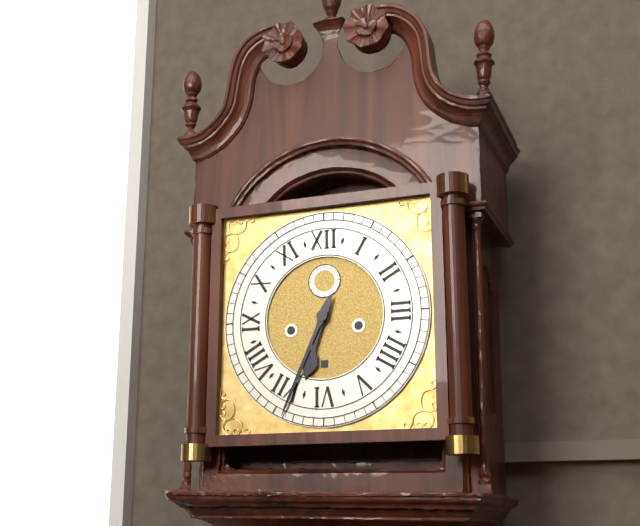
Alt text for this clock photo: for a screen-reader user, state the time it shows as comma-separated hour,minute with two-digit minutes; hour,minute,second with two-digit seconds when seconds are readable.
6,34
